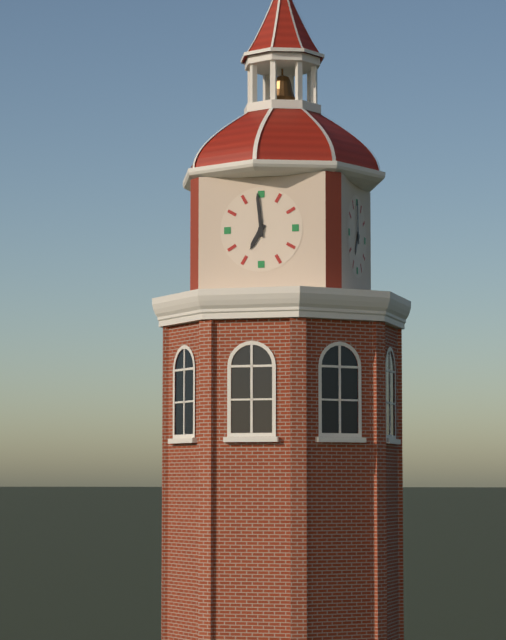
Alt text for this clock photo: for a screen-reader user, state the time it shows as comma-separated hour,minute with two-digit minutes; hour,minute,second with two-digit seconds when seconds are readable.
6,59
